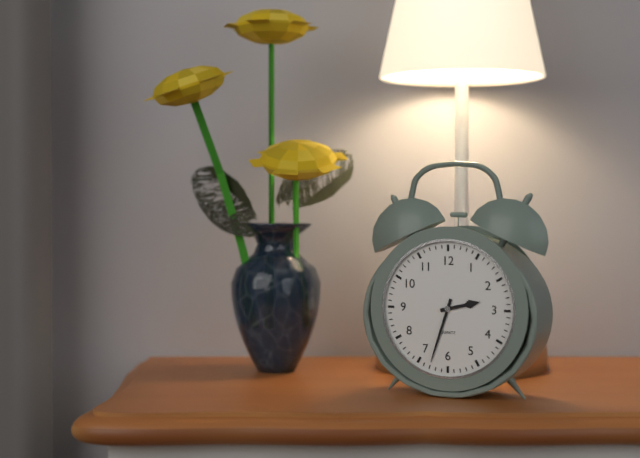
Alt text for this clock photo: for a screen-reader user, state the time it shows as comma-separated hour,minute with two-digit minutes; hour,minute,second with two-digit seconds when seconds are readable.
2,33
